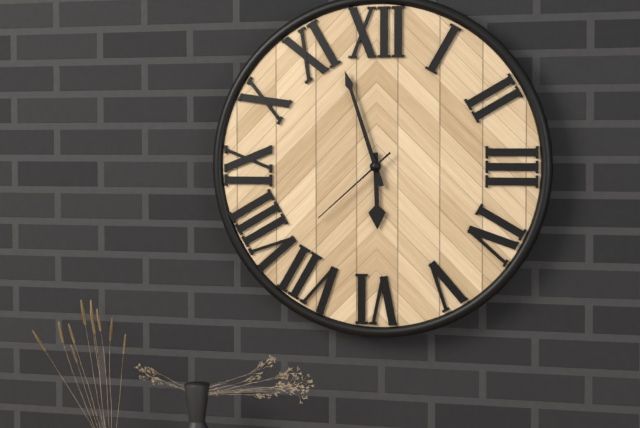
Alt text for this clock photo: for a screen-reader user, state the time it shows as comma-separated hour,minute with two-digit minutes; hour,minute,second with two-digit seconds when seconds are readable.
5,57,38
